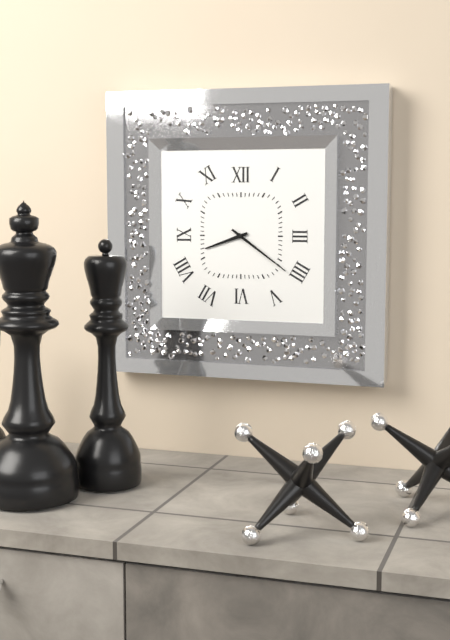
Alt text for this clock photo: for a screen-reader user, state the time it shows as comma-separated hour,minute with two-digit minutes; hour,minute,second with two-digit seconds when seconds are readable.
8,21
